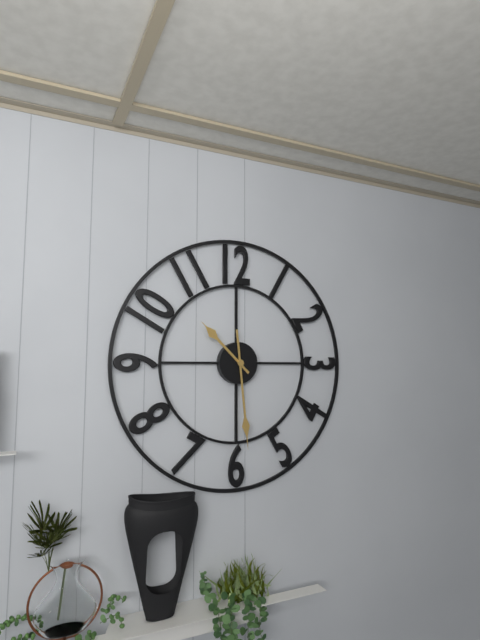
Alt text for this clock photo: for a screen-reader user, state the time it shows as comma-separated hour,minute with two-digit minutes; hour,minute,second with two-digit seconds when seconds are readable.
10,29
